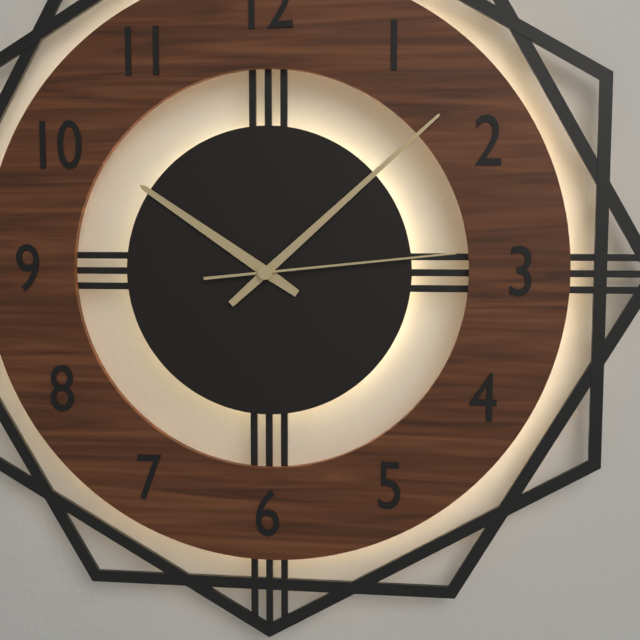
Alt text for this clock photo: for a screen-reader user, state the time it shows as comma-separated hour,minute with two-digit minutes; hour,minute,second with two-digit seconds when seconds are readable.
10,08,14
